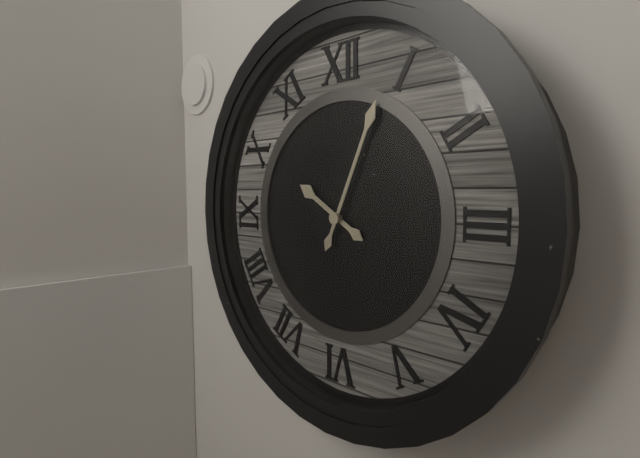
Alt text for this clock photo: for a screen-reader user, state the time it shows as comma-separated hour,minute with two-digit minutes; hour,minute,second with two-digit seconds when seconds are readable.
10,04
